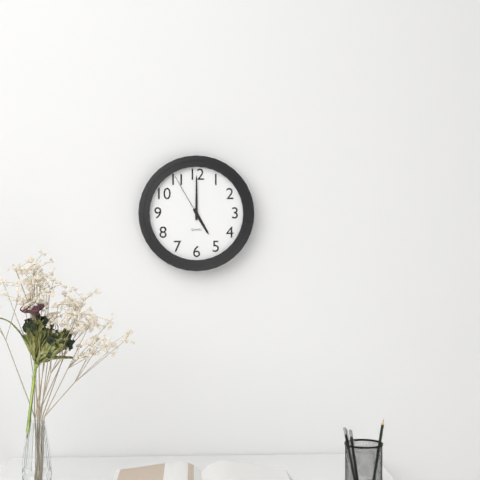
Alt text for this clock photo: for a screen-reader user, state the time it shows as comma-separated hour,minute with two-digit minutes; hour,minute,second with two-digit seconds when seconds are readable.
5,00,55
